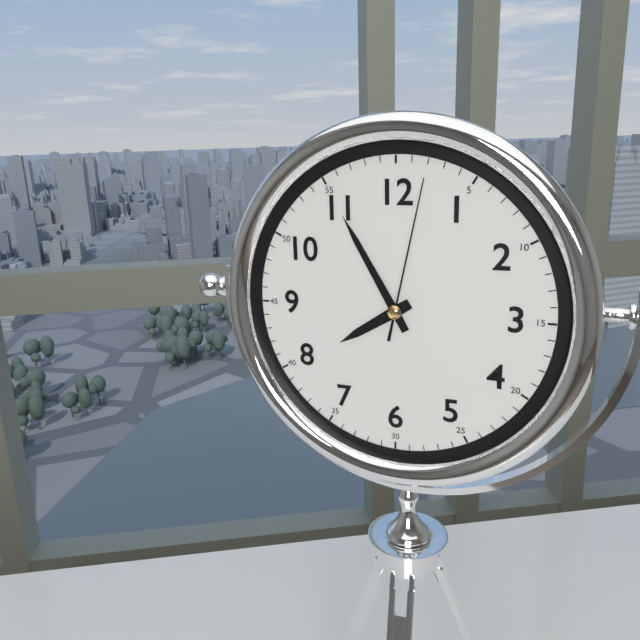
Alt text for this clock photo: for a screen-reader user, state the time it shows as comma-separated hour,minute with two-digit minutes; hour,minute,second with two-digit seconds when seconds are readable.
7,55,02
